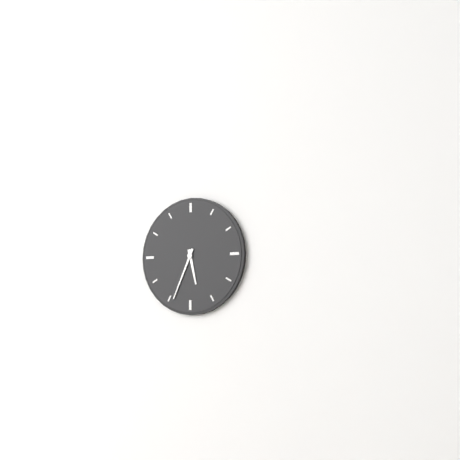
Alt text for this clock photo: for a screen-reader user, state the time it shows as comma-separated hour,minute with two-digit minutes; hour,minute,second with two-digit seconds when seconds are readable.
5,34
